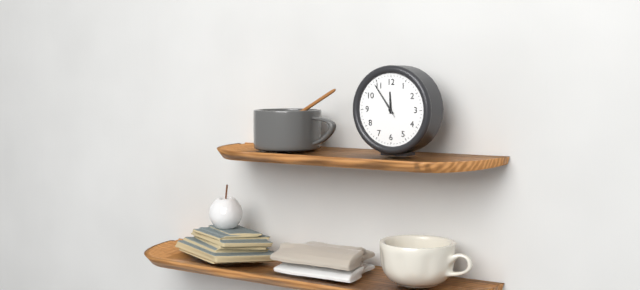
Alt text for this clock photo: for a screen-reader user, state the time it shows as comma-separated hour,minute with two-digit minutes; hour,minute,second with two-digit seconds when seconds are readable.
11,54
